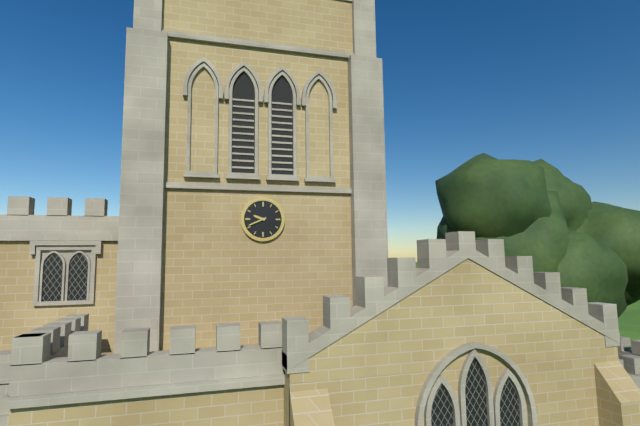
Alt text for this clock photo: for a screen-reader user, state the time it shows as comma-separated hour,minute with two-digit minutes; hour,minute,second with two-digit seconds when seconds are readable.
9,41
